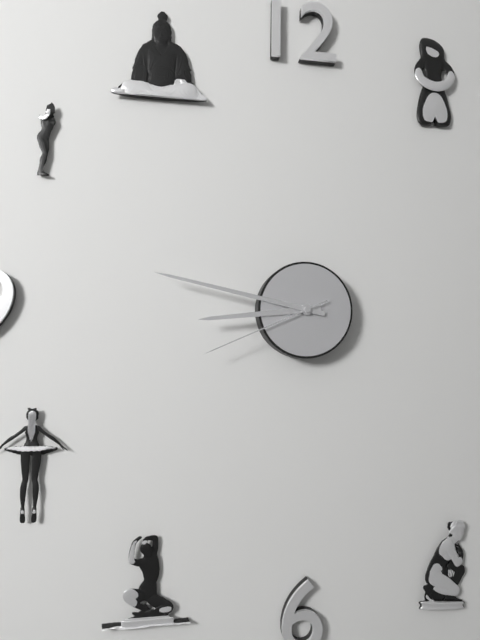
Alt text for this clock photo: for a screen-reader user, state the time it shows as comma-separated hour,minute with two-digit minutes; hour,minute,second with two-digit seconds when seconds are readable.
8,47,41
